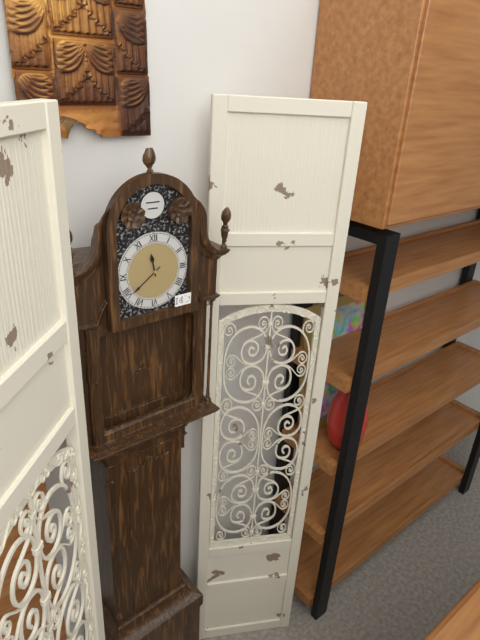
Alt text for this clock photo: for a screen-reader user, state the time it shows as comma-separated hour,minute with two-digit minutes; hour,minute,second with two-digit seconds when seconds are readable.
11,39
